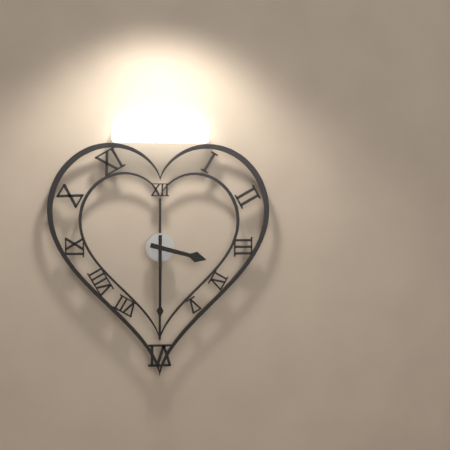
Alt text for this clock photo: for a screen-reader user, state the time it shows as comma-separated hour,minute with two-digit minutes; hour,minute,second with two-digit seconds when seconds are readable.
3,30
